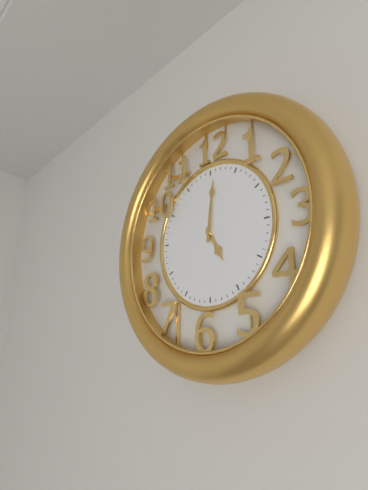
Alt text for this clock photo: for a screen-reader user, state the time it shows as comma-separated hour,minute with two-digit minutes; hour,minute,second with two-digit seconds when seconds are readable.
5,01
